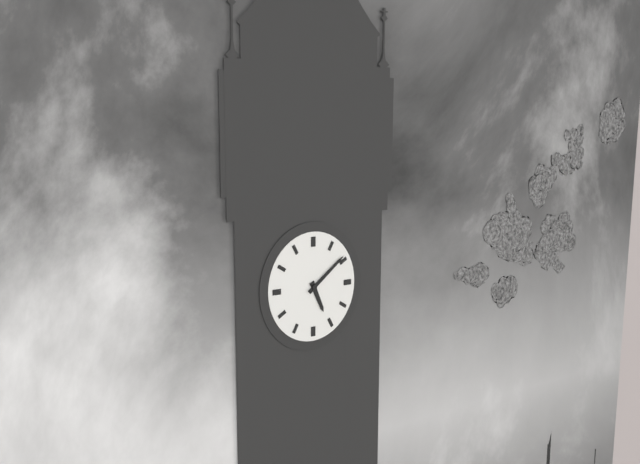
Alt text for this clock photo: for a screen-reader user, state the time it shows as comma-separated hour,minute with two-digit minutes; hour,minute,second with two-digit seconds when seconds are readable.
5,09
